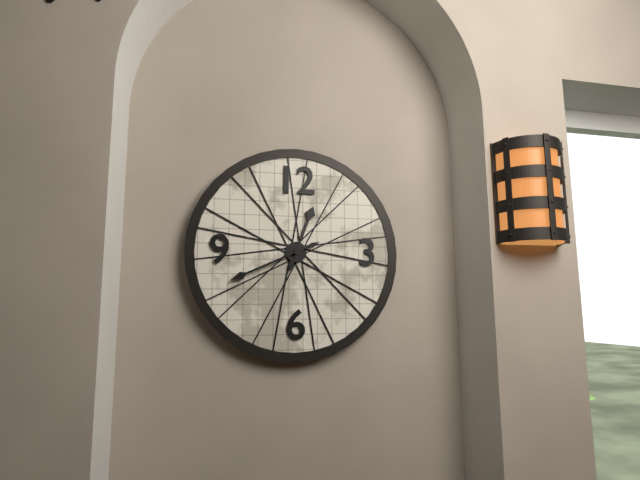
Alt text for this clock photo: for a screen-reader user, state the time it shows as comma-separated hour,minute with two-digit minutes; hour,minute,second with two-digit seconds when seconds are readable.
12,41
